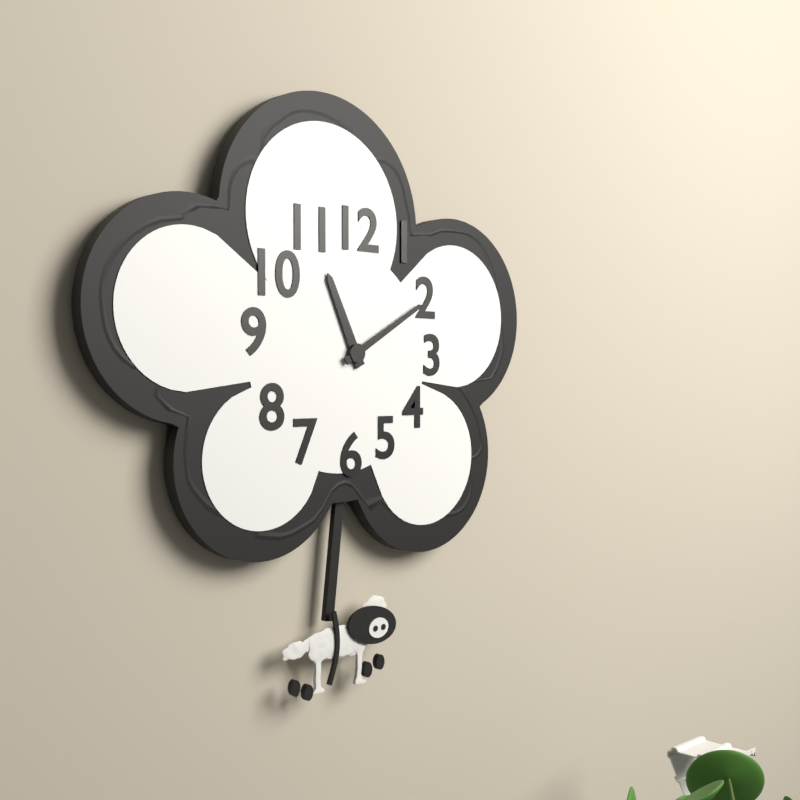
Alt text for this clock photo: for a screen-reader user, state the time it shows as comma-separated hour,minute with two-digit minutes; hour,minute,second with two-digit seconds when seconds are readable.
11,10
